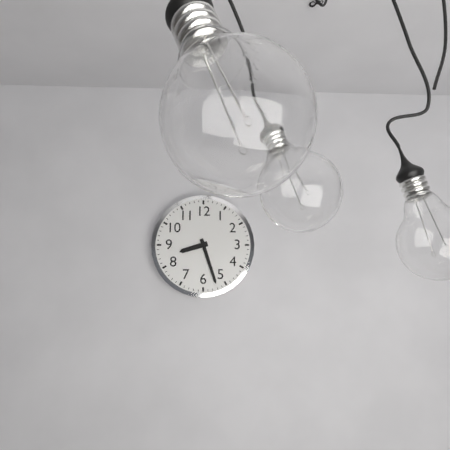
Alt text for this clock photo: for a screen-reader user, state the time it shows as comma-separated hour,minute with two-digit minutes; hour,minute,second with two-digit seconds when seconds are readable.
8,27
